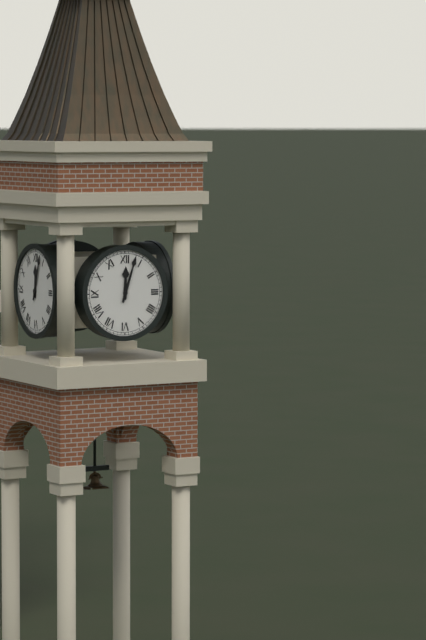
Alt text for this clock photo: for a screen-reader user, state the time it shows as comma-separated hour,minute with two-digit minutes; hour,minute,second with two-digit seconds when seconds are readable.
12,03
